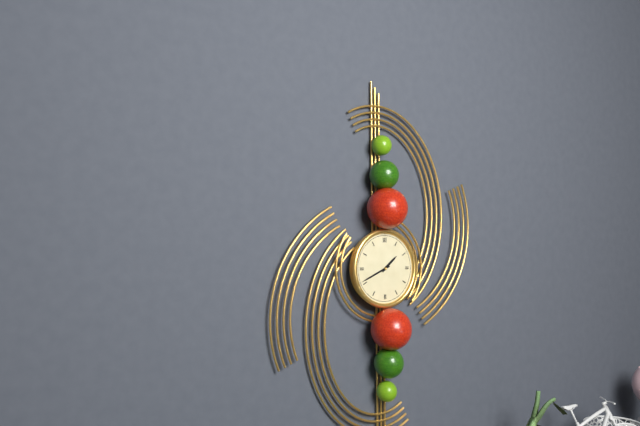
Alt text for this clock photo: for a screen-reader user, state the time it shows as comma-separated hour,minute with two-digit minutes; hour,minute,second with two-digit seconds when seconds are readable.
1,41
